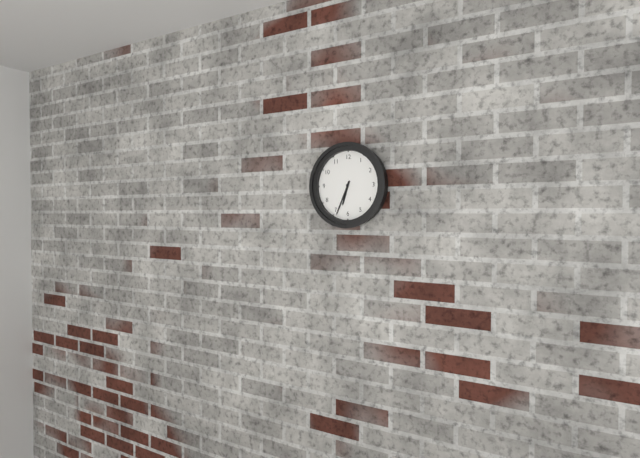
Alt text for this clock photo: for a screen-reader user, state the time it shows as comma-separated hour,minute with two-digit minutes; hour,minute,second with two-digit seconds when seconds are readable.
6,34
